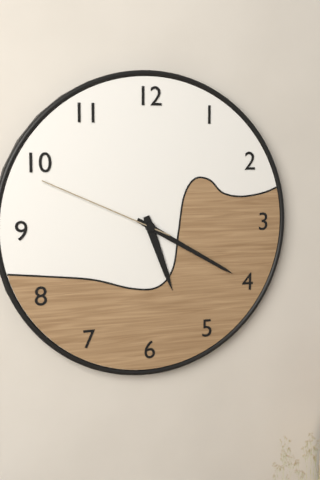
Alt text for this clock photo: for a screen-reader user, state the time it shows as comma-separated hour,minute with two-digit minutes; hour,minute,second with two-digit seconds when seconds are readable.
5,20,49
